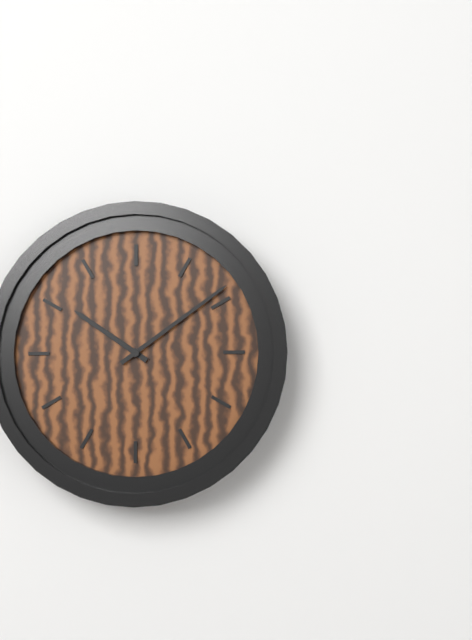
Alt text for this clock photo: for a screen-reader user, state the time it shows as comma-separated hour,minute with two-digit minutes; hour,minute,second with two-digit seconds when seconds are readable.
10,09
